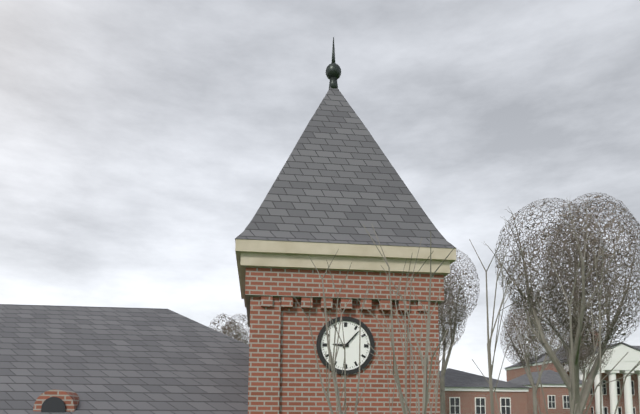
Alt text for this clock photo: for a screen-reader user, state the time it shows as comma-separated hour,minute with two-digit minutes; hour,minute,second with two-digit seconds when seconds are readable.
9,07
